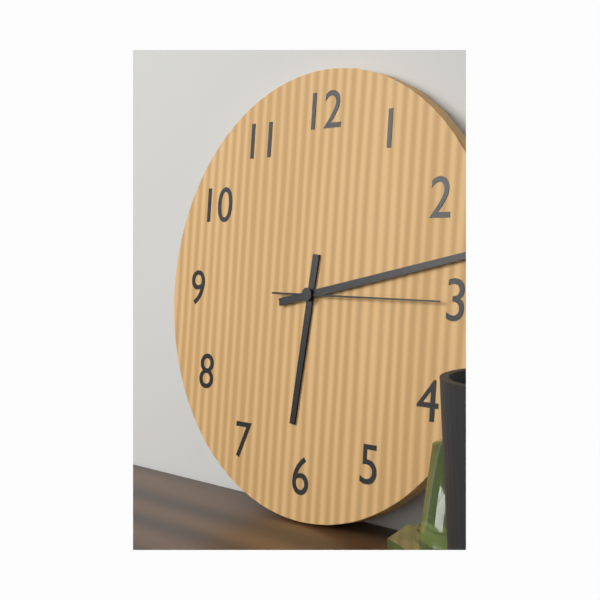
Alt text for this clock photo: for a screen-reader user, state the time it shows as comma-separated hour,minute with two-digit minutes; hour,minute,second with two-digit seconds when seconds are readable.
6,13,15
